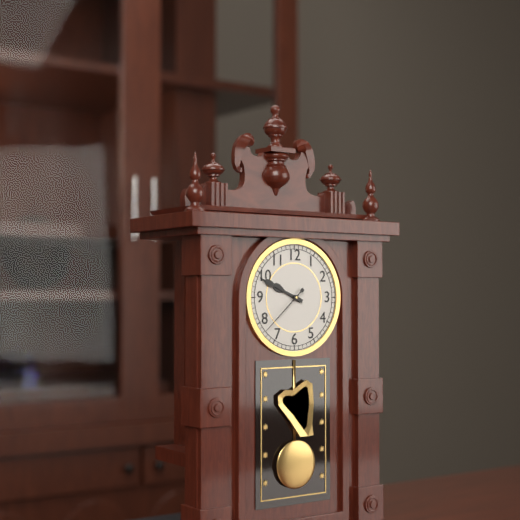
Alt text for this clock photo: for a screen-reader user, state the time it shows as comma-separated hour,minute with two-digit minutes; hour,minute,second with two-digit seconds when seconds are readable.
9,49,38
